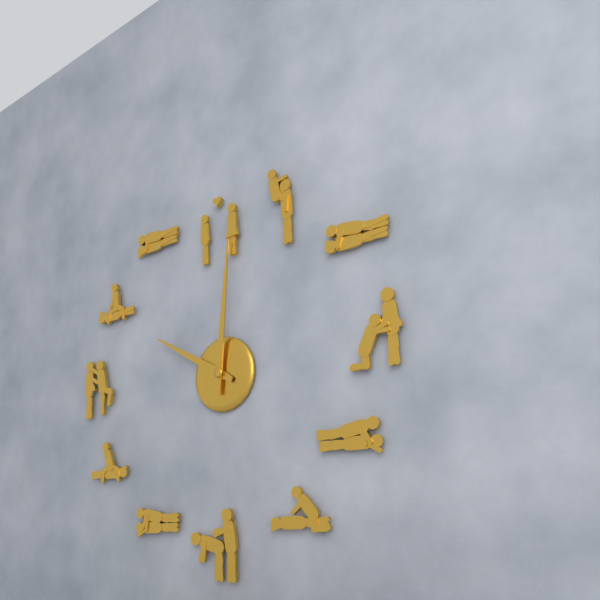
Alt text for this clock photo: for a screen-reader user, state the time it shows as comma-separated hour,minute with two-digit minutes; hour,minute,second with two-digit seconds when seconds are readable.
10,01
